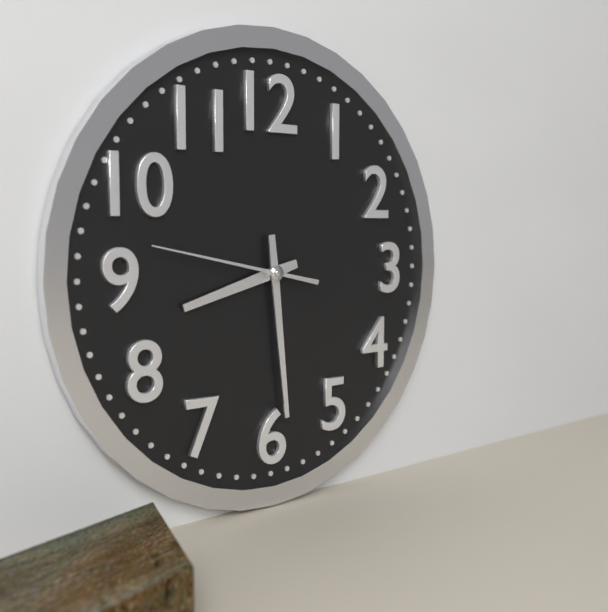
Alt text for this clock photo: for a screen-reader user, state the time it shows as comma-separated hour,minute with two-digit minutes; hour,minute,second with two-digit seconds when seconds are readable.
8,29,47
